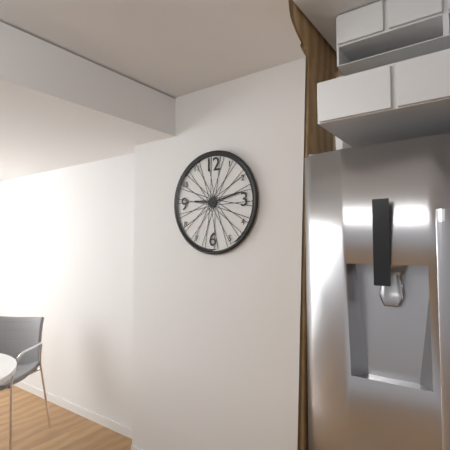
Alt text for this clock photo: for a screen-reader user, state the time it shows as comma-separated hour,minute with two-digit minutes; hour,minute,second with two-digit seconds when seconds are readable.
9,13
